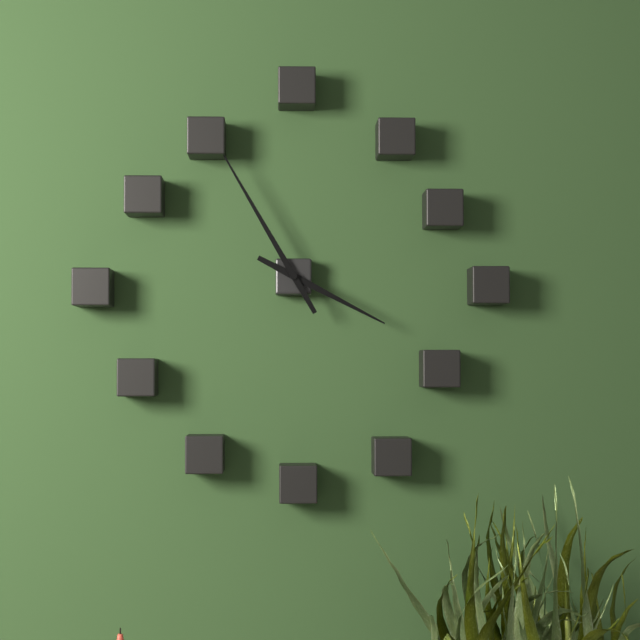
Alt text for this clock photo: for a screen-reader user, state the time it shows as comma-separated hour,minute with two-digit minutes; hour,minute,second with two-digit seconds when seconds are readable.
3,55
